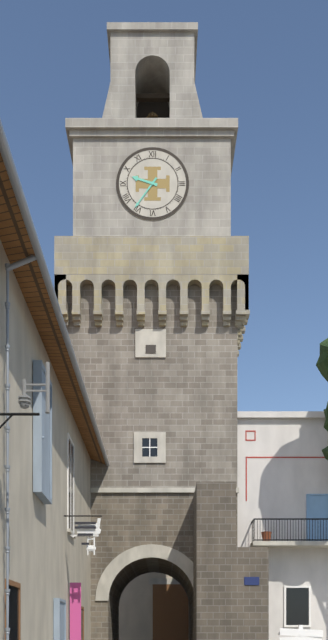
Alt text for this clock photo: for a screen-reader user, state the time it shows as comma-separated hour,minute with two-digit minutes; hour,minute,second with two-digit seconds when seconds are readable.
9,36
